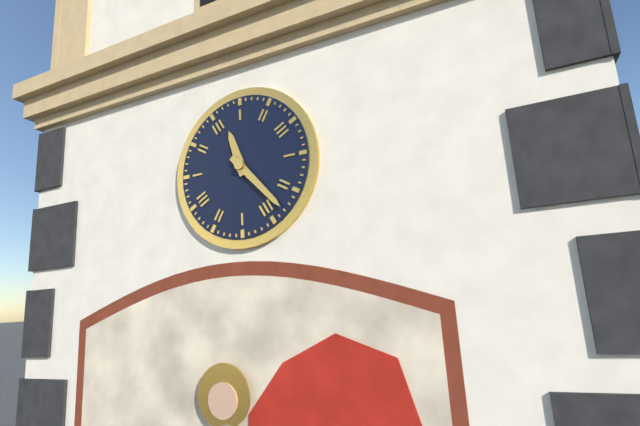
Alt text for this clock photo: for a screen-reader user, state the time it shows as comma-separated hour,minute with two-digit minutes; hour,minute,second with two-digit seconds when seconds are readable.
11,23
